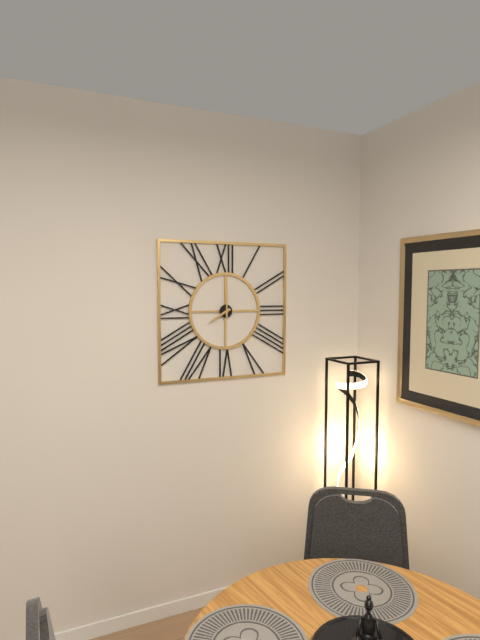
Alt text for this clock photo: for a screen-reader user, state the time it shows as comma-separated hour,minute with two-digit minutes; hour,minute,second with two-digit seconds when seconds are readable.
8,00
